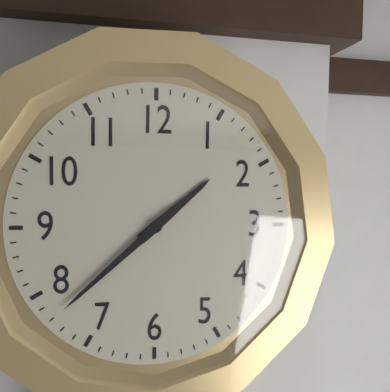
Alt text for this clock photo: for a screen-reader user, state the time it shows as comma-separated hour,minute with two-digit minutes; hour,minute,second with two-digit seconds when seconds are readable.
1,38
